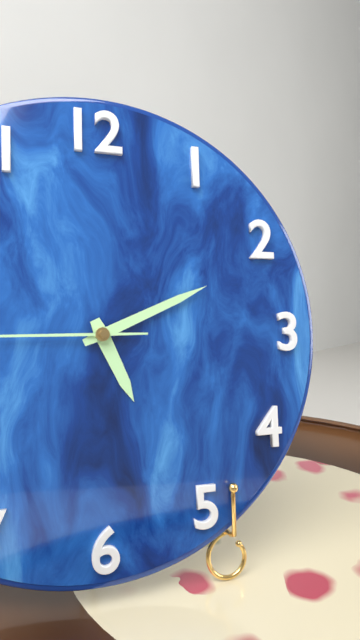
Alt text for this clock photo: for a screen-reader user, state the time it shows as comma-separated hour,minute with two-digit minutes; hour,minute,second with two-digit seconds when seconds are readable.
5,11
